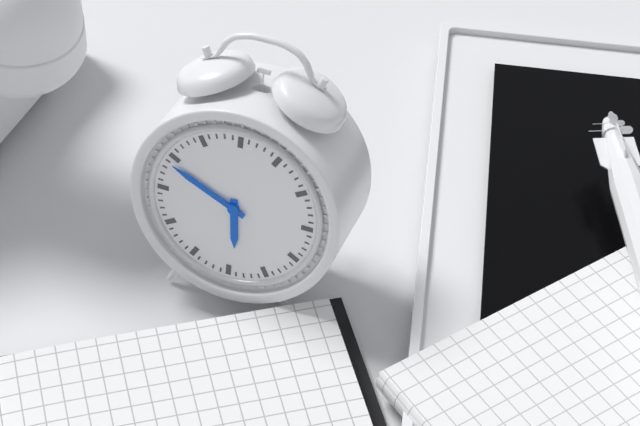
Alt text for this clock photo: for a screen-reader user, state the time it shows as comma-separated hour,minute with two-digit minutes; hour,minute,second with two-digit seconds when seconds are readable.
5,49
